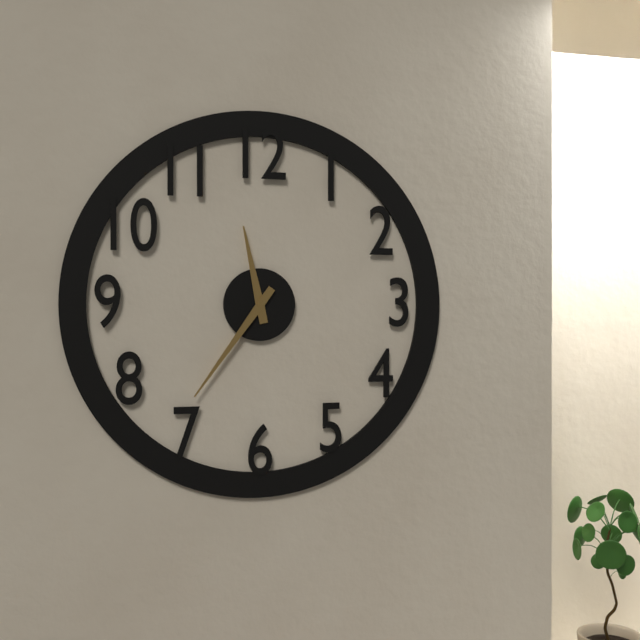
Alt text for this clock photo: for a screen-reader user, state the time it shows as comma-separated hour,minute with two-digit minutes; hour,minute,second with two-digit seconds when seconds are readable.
11,36
